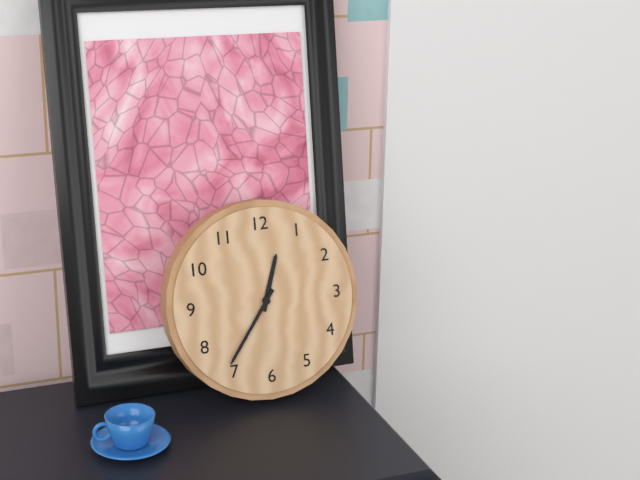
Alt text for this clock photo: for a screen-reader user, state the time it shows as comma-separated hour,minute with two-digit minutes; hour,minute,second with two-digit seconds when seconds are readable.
12,36
